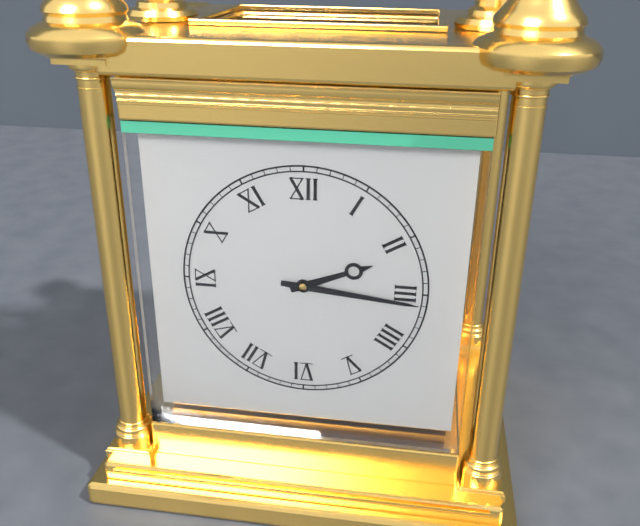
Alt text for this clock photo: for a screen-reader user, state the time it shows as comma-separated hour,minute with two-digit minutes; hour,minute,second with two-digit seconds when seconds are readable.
2,16
